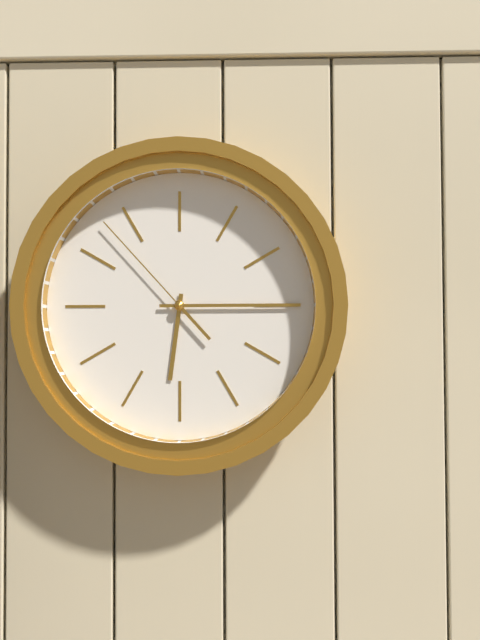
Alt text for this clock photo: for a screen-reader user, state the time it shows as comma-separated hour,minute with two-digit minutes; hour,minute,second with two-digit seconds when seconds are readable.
6,15,53
